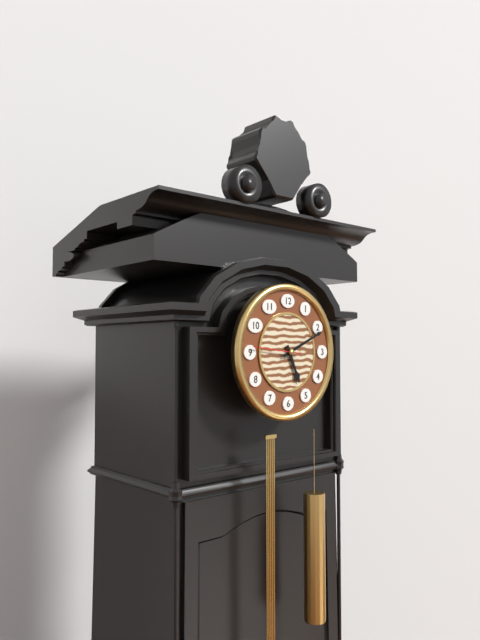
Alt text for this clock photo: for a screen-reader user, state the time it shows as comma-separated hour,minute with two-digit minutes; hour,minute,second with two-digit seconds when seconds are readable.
5,11
